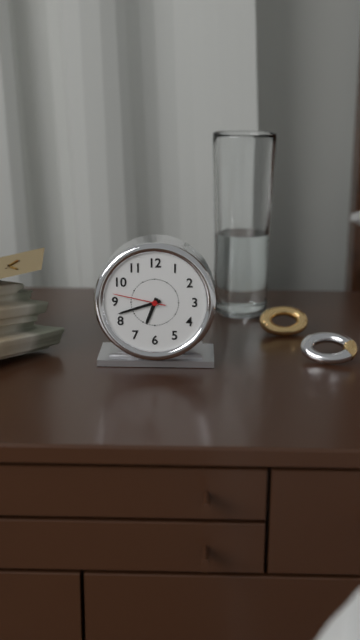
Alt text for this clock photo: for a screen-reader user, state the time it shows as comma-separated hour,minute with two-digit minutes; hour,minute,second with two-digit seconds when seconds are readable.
6,42,47
